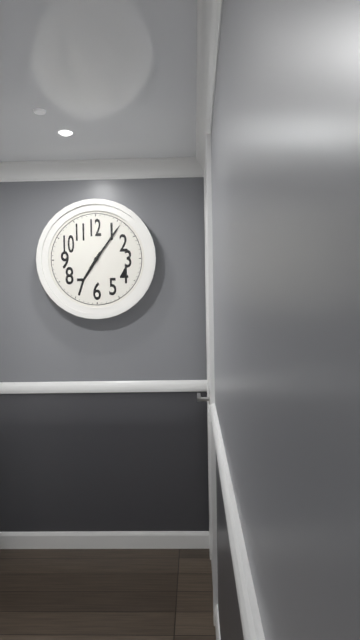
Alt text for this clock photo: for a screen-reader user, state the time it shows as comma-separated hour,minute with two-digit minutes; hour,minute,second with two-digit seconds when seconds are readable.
7,06
